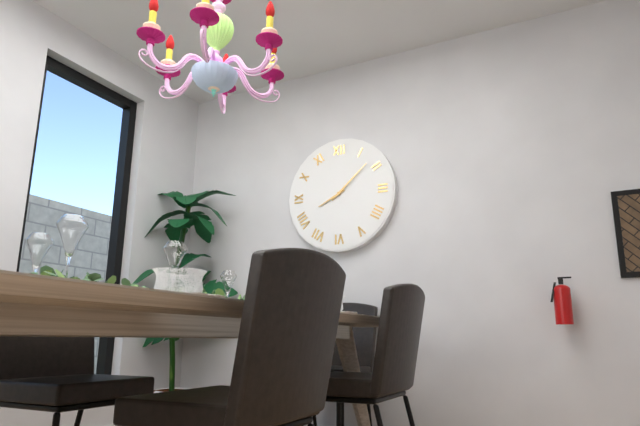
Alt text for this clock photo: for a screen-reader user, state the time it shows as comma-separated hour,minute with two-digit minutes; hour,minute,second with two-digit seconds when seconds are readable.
8,08
